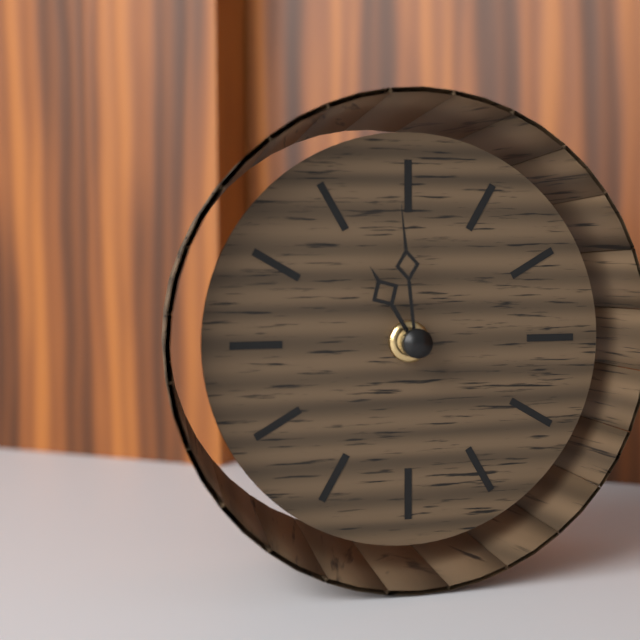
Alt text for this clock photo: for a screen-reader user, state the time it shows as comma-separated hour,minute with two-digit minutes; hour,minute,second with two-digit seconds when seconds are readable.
10,59
